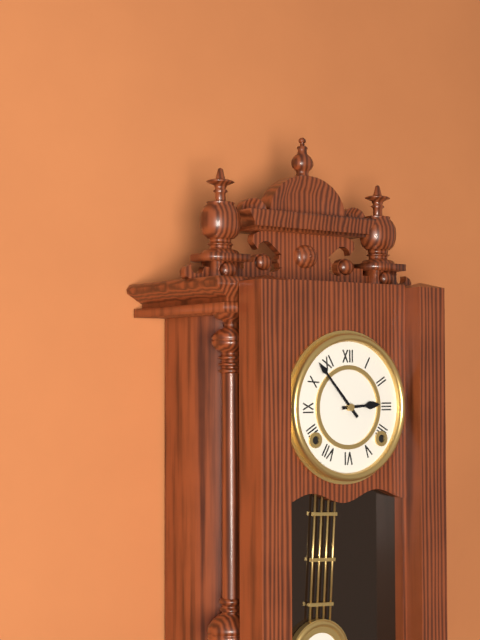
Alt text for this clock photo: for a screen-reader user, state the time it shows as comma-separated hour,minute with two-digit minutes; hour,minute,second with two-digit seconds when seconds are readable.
2,53
